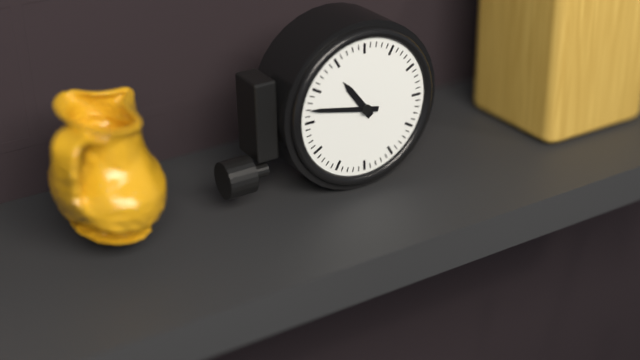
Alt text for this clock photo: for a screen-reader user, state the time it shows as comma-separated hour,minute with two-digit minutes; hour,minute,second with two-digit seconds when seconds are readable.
10,47
